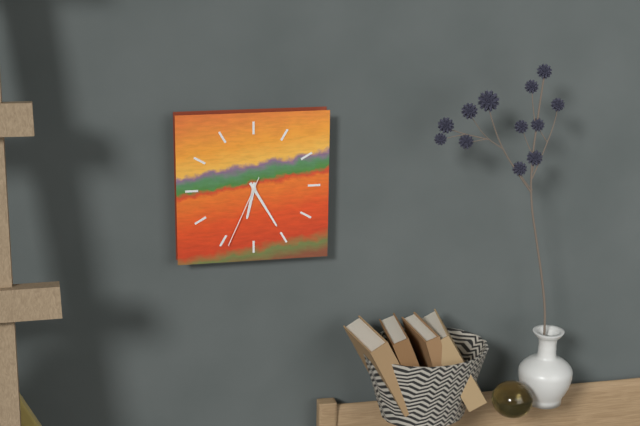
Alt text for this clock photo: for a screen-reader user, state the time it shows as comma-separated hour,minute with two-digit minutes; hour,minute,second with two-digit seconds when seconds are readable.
6,25,34
